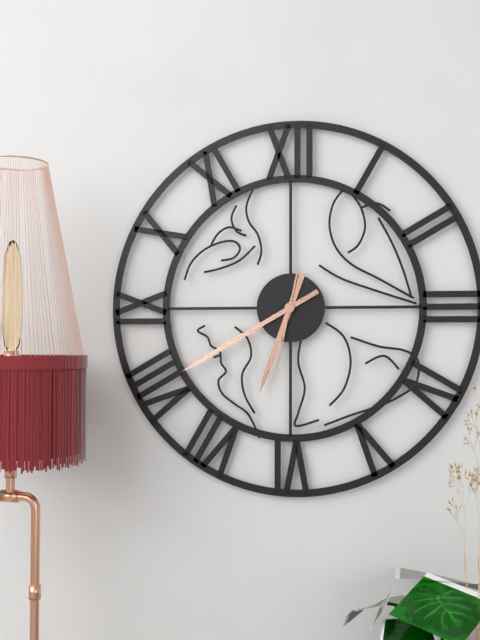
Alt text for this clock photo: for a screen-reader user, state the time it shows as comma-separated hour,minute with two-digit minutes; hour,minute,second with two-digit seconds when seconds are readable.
6,40,32
